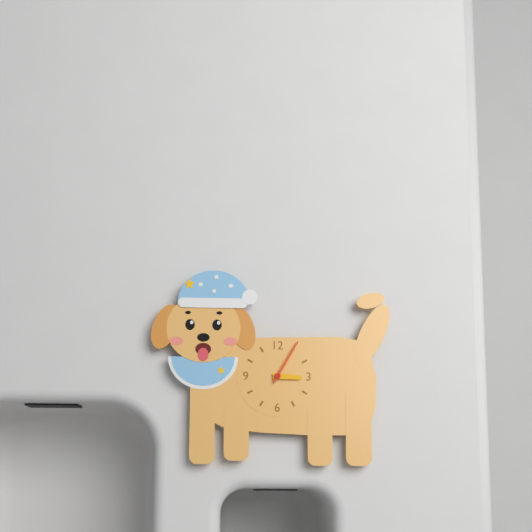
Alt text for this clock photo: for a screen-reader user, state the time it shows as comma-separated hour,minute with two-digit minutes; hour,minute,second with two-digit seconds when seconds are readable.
3,05
